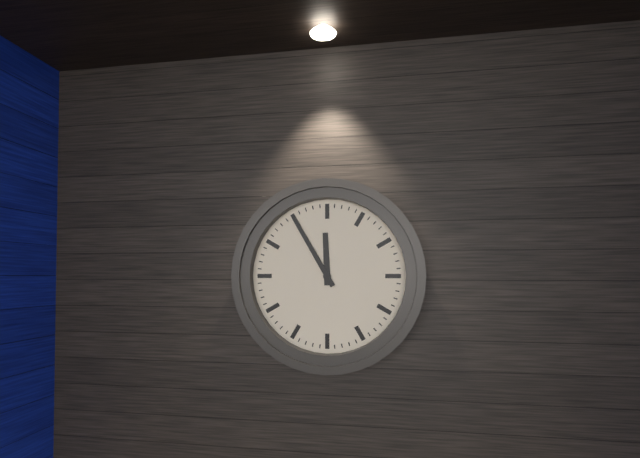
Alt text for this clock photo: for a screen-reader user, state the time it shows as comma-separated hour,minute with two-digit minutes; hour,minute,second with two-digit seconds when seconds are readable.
11,55
